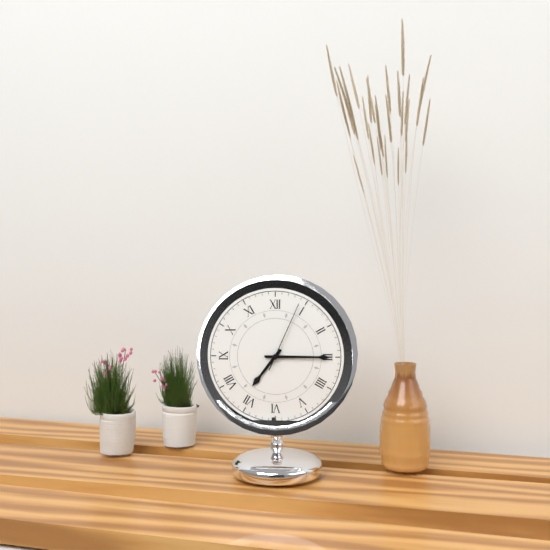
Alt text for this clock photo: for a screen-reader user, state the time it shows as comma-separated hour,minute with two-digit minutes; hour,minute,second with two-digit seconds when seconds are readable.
7,15,04
